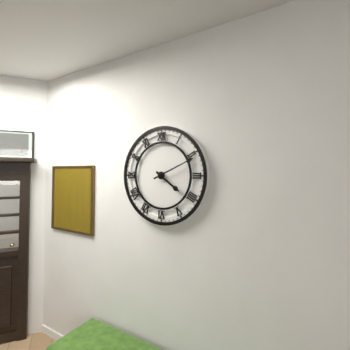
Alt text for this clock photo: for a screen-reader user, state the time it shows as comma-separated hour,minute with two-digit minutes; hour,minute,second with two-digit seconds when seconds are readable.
4,11
